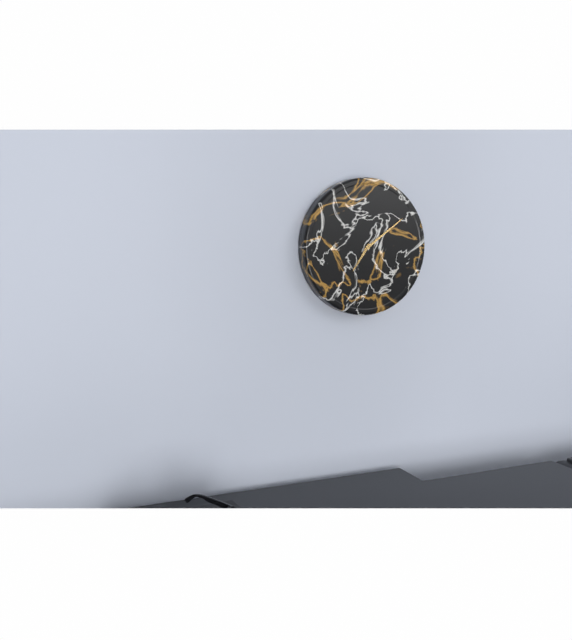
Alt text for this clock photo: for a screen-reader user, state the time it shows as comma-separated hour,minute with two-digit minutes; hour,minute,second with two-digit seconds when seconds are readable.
7,09
